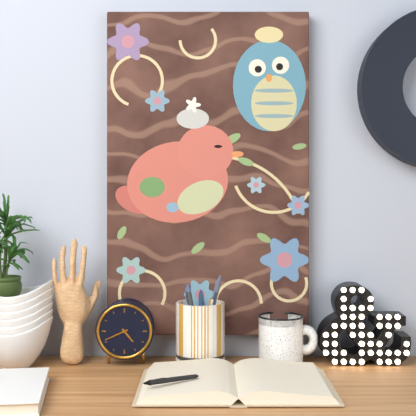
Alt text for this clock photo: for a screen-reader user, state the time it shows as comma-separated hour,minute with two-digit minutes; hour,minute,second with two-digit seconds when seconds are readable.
4,41
